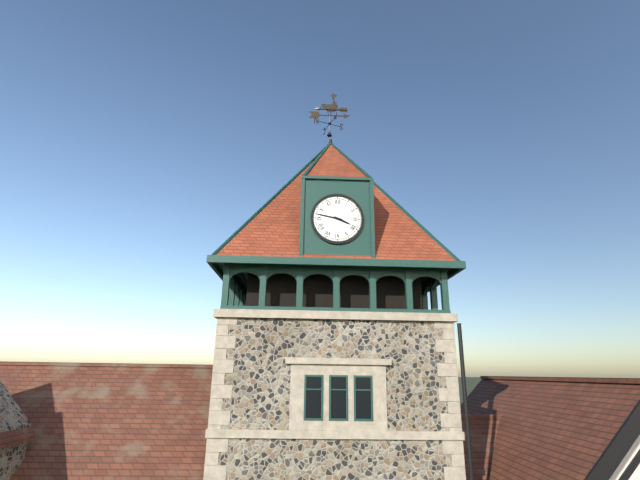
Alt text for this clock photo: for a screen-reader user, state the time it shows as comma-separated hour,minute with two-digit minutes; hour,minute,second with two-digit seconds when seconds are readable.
3,47
